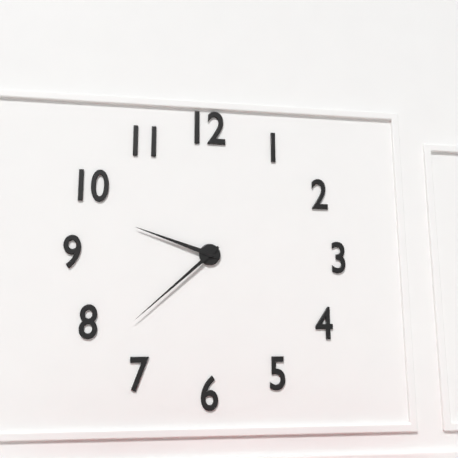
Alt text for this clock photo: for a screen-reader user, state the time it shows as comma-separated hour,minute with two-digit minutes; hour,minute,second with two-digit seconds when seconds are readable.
9,38
